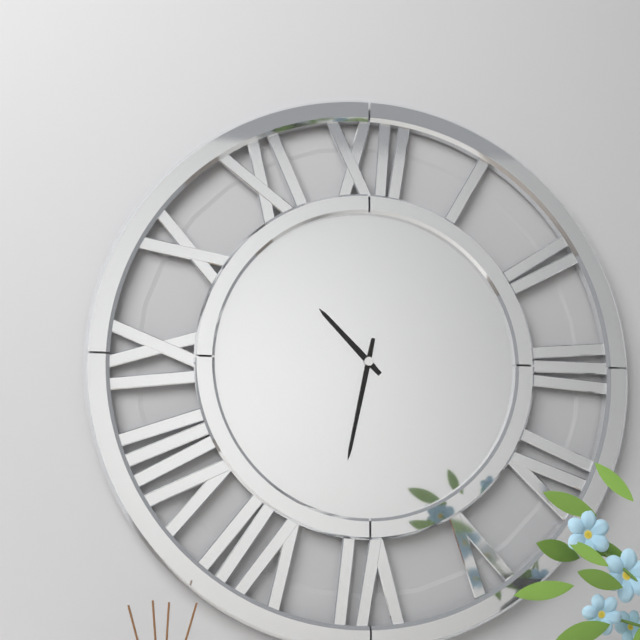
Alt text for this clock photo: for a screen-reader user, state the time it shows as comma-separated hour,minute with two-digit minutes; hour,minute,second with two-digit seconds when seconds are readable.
10,32
